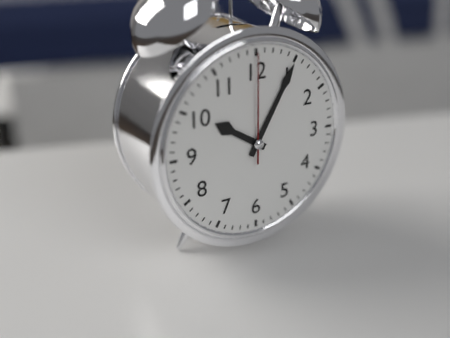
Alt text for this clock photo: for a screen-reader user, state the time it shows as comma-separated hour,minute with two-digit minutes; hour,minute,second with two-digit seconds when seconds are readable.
10,05,00
